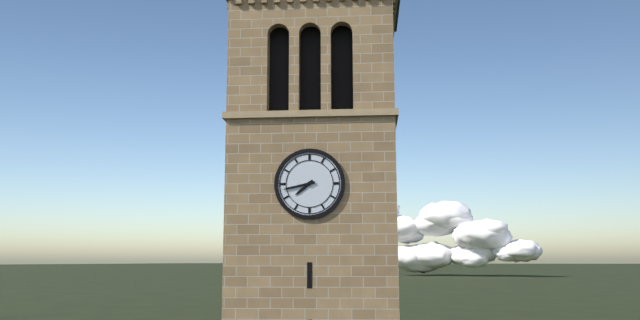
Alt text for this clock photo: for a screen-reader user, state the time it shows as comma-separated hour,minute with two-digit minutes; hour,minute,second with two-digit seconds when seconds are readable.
7,43
